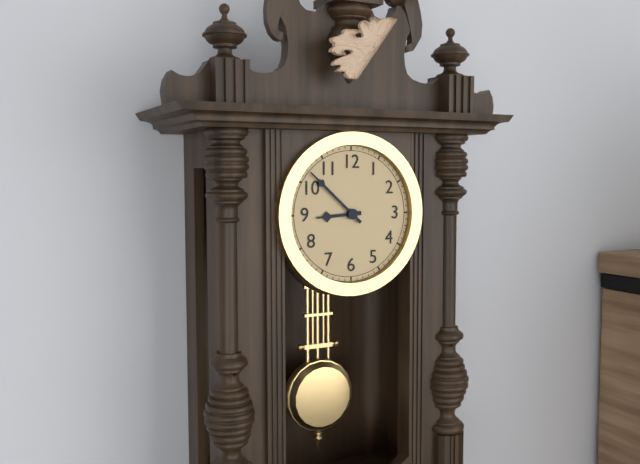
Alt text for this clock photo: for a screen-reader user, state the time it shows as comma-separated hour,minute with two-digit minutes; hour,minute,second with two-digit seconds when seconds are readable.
8,52
